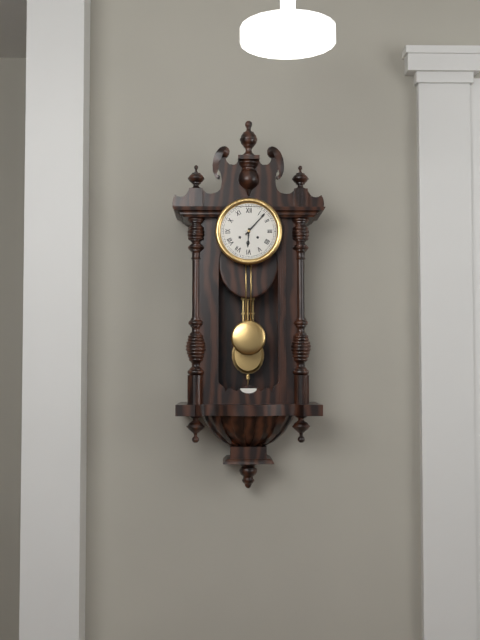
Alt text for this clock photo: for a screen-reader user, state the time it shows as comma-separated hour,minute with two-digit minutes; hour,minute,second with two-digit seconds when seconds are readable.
6,07
